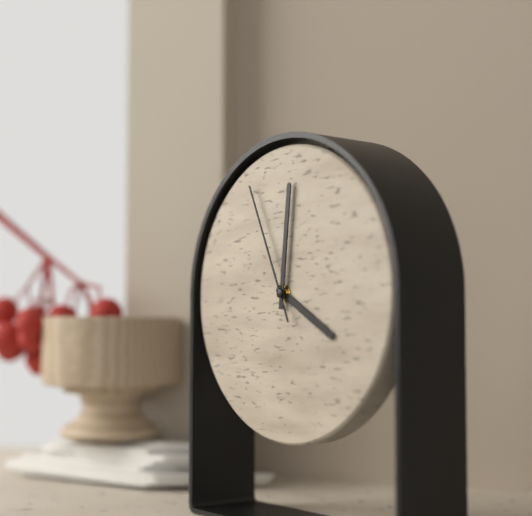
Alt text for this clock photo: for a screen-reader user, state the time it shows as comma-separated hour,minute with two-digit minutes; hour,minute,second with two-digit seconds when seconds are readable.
4,01,56
